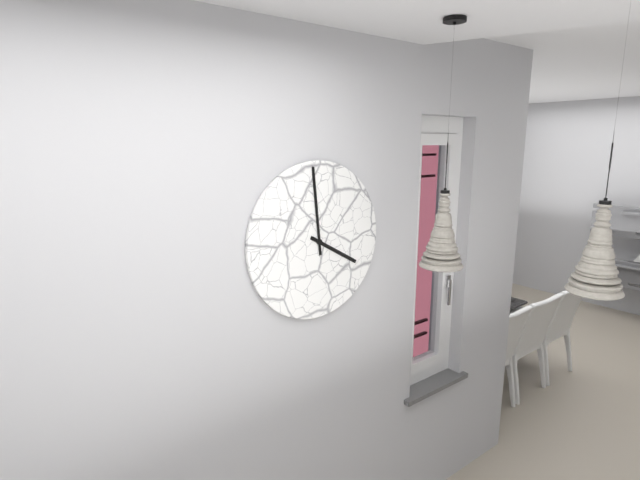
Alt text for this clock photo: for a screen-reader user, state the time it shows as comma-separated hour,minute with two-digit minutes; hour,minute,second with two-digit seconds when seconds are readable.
3,59
